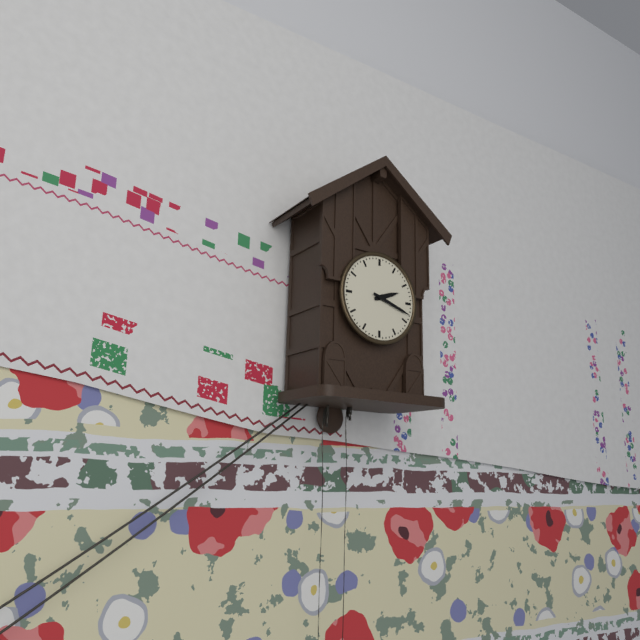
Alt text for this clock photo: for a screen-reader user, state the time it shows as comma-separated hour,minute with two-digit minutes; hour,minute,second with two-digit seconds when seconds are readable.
2,18
